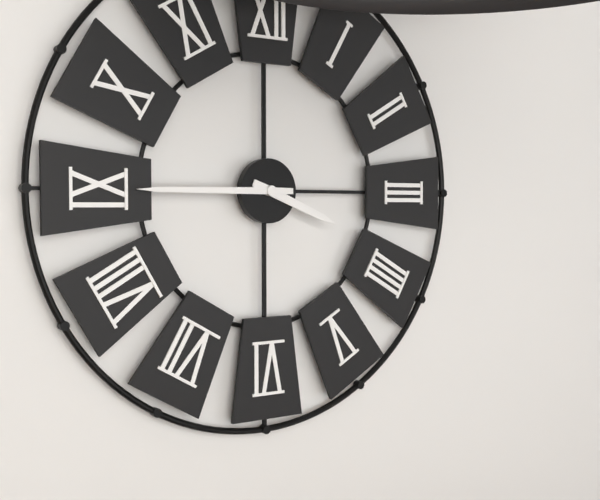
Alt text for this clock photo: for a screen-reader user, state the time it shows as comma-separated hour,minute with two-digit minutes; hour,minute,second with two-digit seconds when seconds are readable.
3,45
